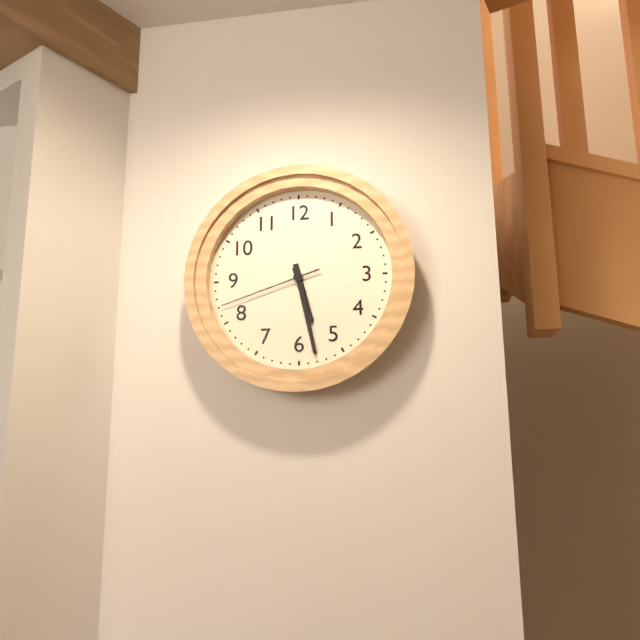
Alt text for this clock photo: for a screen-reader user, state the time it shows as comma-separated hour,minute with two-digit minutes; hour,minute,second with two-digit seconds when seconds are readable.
5,28,42
